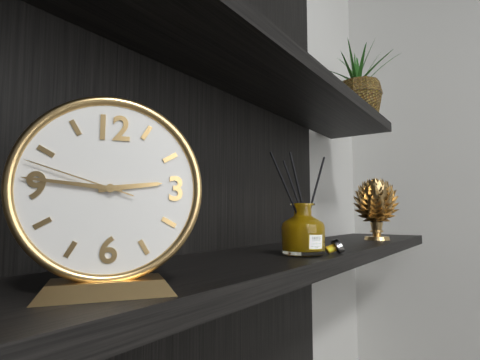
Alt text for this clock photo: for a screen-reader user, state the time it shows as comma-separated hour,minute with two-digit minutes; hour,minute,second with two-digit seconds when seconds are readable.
2,46,48
